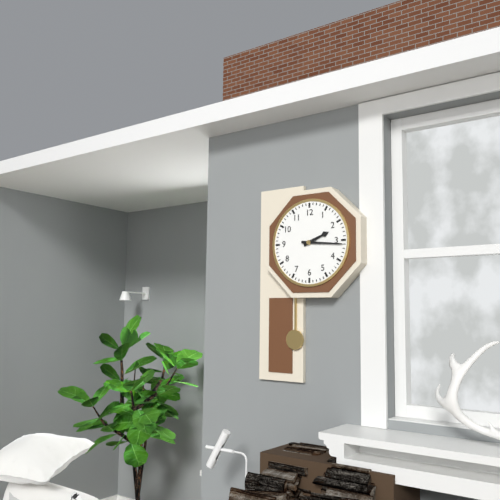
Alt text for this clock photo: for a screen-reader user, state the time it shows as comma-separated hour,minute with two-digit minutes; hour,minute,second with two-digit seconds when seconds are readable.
2,16
